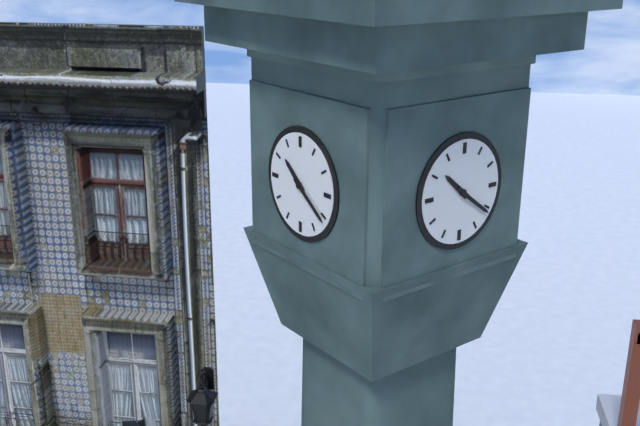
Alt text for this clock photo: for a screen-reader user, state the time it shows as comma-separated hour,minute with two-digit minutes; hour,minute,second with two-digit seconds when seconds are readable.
10,21
